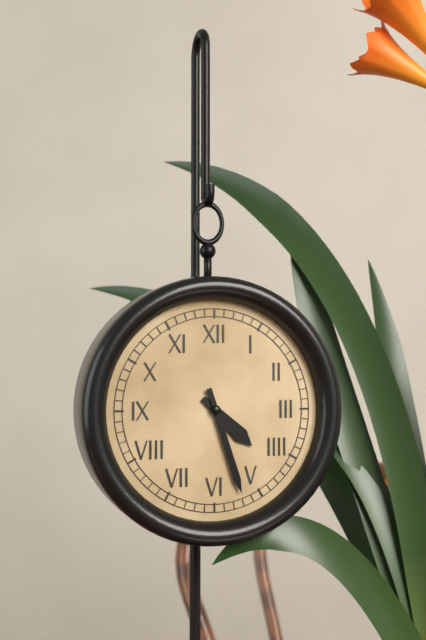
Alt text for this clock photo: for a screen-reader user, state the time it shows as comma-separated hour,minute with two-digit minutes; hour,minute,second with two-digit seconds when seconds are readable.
4,27
